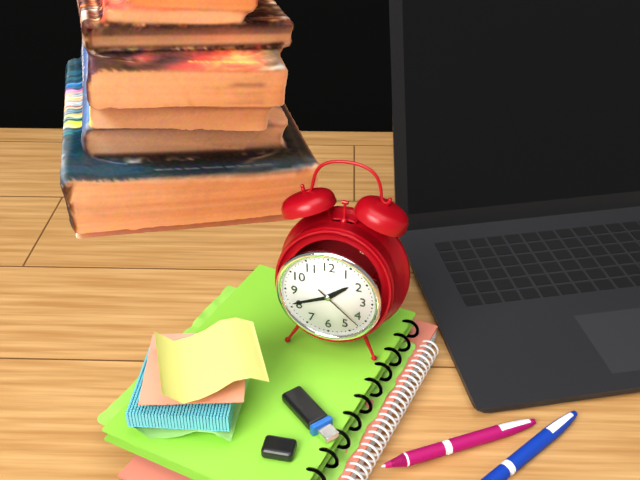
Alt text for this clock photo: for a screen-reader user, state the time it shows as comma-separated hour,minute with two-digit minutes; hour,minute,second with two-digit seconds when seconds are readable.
1,41,22
